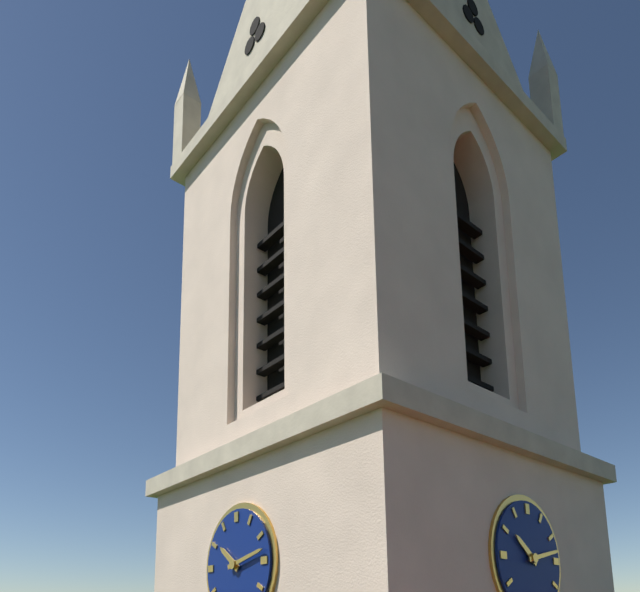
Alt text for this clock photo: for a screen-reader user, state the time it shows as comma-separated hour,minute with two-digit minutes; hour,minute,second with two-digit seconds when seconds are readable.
10,13
